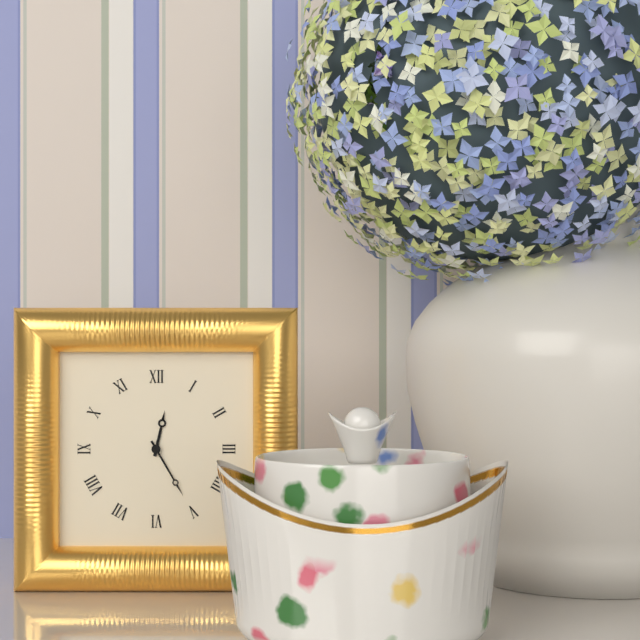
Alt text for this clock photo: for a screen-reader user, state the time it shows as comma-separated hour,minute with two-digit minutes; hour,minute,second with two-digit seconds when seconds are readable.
12,25
